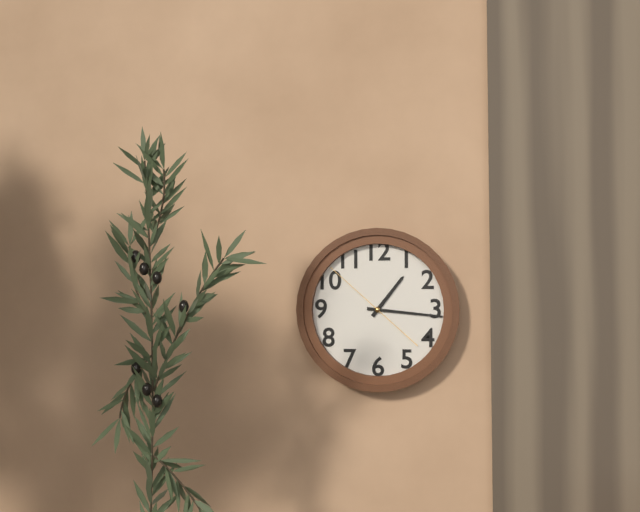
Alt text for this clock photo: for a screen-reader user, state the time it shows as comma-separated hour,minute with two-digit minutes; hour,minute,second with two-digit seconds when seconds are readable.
1,16,52
